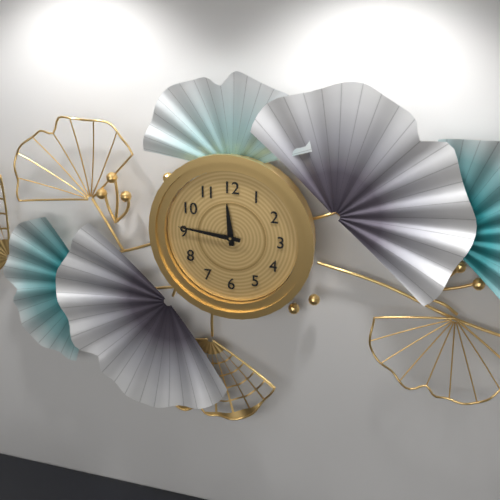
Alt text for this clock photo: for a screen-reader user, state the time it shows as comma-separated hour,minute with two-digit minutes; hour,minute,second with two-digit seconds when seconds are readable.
11,46
